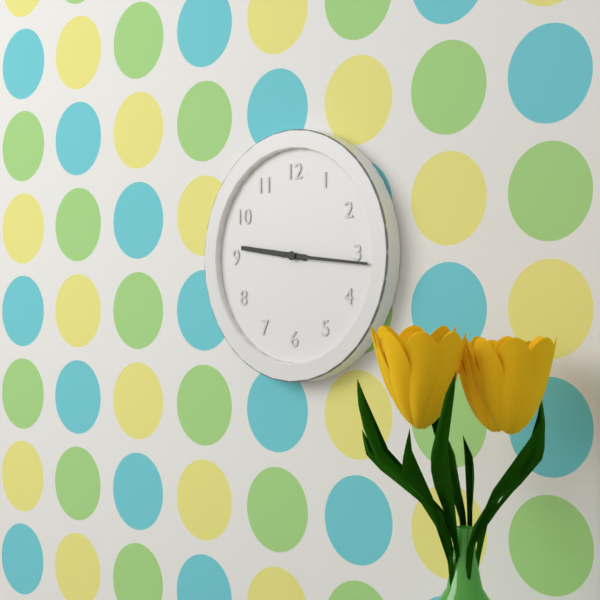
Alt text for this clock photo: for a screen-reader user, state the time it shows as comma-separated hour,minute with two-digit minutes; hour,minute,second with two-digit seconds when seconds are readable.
9,16
